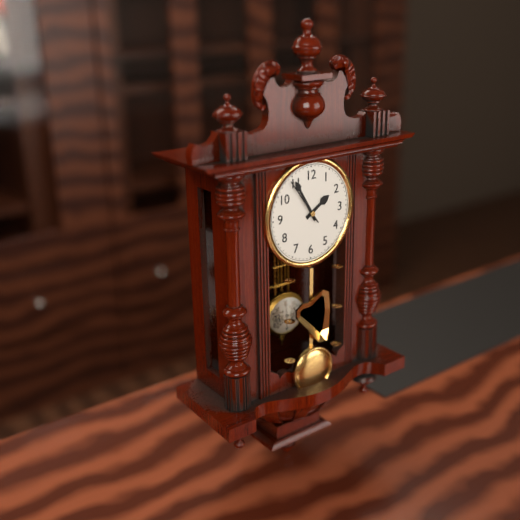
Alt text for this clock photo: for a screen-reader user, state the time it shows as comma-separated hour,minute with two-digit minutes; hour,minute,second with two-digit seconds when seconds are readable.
1,55
